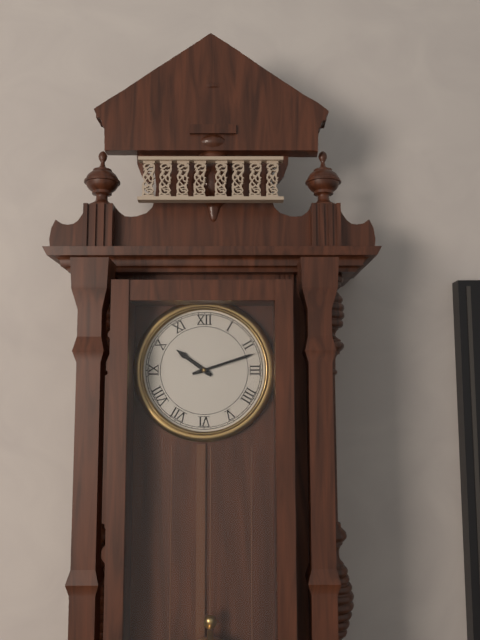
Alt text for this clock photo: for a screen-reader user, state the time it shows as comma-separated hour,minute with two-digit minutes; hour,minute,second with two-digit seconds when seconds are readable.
10,12
